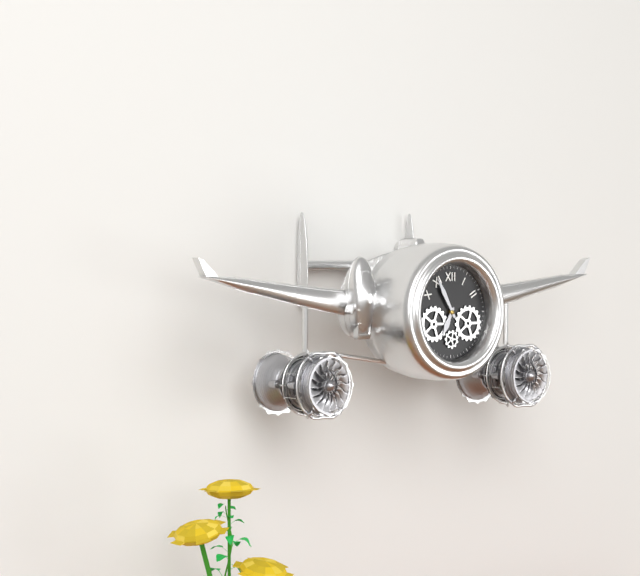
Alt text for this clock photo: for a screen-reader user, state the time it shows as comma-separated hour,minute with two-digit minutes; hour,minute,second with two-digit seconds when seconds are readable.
6,55
